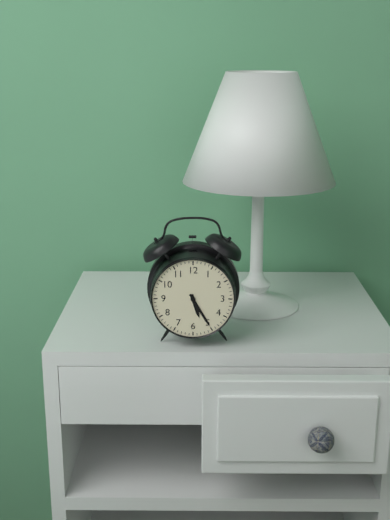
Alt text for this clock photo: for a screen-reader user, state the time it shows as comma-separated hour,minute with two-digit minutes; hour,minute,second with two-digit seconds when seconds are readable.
5,25
